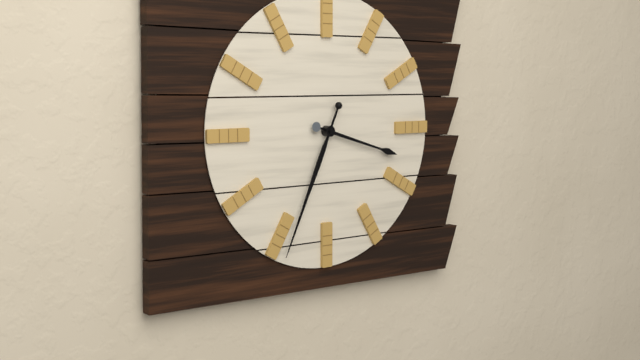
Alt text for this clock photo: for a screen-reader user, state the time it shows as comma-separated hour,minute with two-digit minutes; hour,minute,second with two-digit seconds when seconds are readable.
3,34
